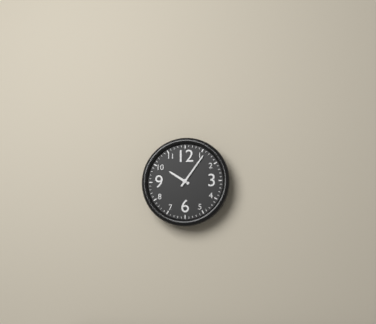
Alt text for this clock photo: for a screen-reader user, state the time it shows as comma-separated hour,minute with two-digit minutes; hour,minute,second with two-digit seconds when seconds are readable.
10,06
